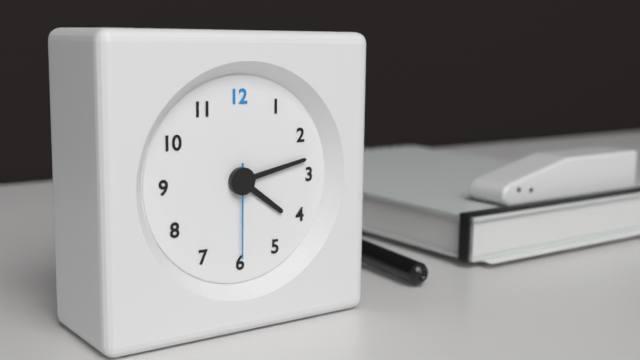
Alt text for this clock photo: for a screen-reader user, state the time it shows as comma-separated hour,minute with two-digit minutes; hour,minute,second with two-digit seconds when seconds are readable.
4,13,30
